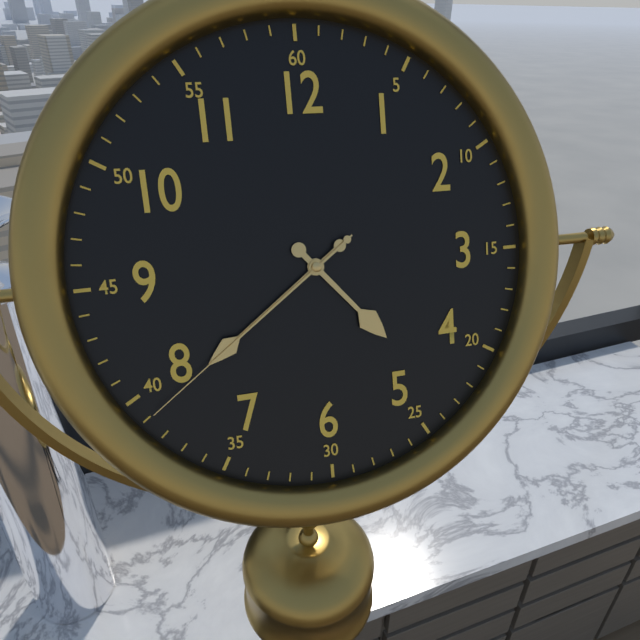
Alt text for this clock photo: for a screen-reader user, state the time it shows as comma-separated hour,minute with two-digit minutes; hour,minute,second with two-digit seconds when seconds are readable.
4,39,39
